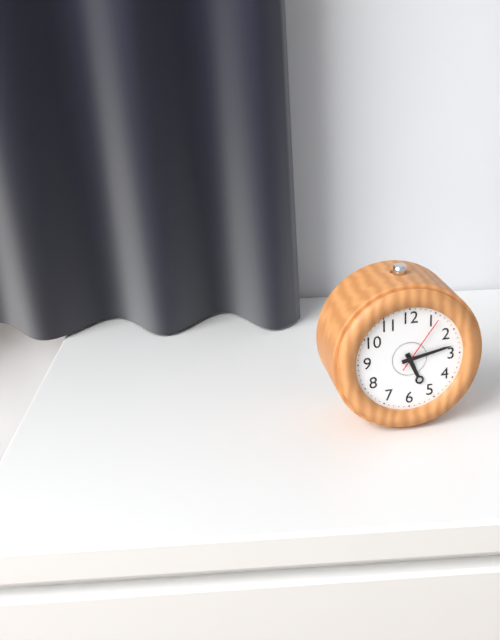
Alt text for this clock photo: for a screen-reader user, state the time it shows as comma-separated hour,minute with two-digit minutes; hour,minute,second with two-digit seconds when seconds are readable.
5,13,06
